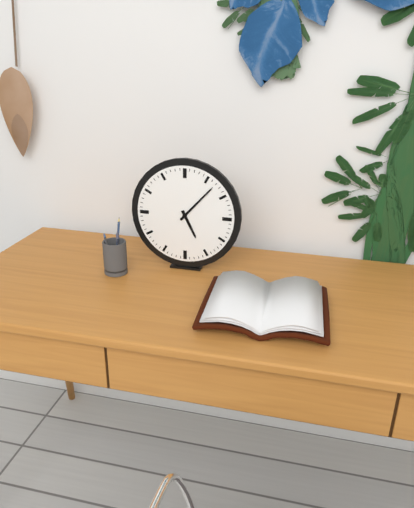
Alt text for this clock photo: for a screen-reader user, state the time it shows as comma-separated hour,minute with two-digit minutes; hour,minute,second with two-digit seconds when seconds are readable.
5,07
